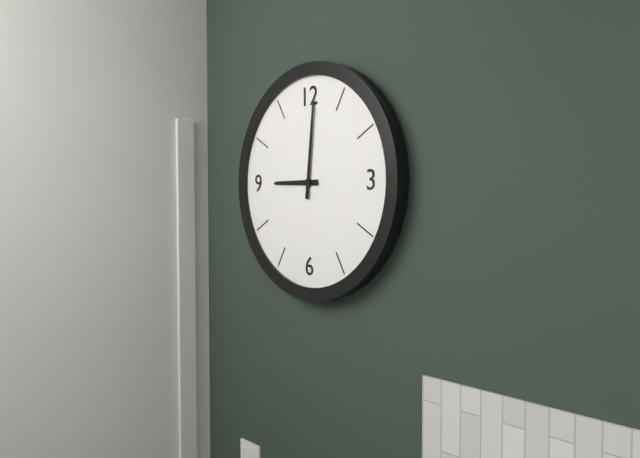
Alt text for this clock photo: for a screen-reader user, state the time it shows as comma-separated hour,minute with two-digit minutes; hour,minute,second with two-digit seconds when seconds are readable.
9,01
